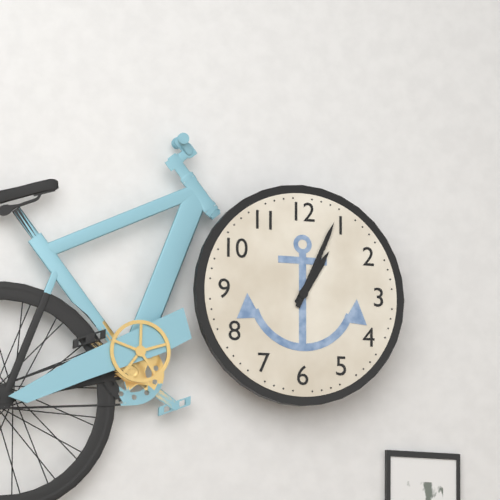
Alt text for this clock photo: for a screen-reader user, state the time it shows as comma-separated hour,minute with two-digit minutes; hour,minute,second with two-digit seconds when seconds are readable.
1,04
